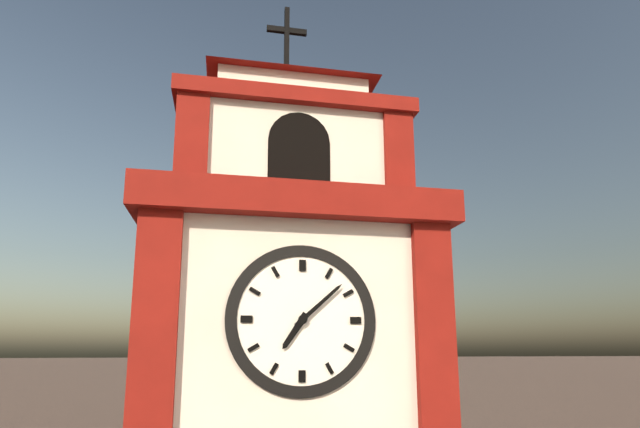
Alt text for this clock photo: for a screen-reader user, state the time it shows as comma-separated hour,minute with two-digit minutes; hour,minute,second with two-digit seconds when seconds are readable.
7,08
